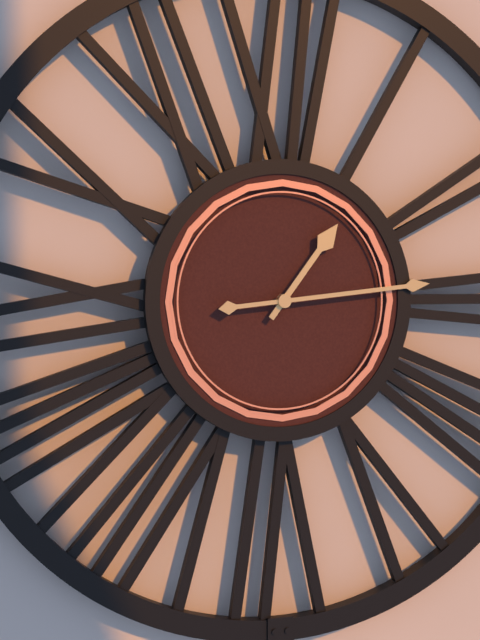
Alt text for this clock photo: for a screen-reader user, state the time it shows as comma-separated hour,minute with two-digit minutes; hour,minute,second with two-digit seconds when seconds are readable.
1,14
